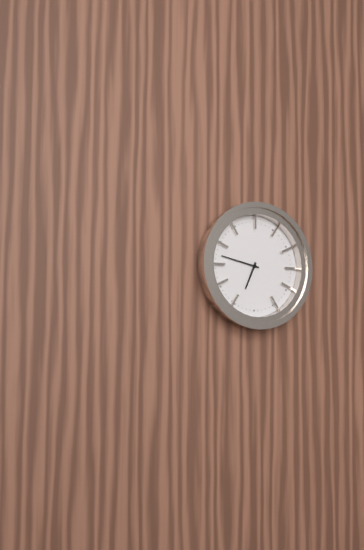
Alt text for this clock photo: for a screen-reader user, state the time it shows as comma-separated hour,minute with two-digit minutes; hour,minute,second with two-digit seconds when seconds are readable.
6,47
